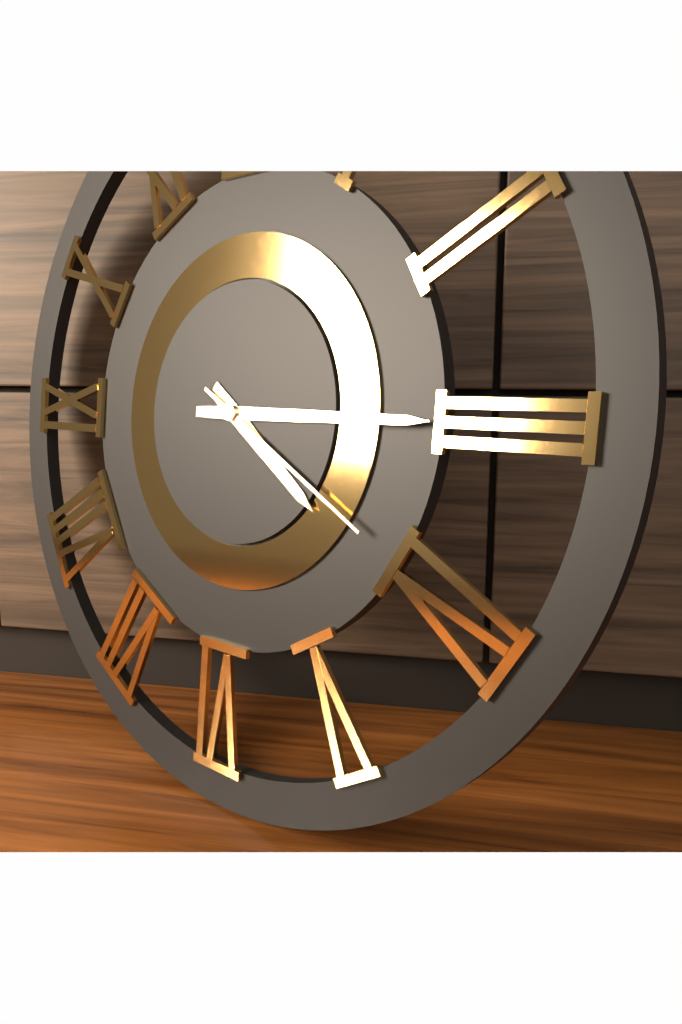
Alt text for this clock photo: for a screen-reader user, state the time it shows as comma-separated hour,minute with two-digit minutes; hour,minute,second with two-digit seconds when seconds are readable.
4,15,20
